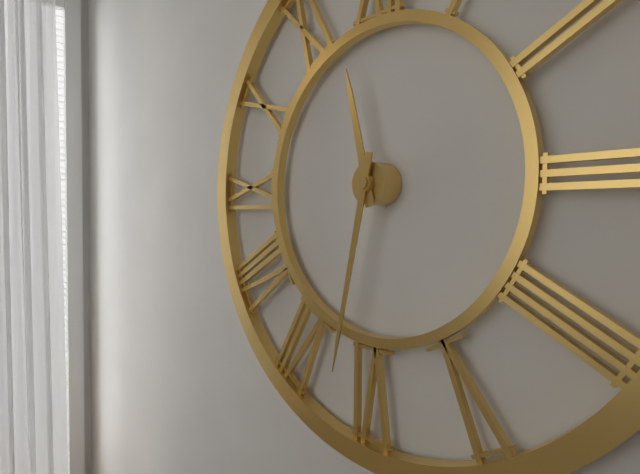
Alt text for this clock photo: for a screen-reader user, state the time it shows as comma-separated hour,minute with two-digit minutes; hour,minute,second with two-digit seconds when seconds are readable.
11,32
